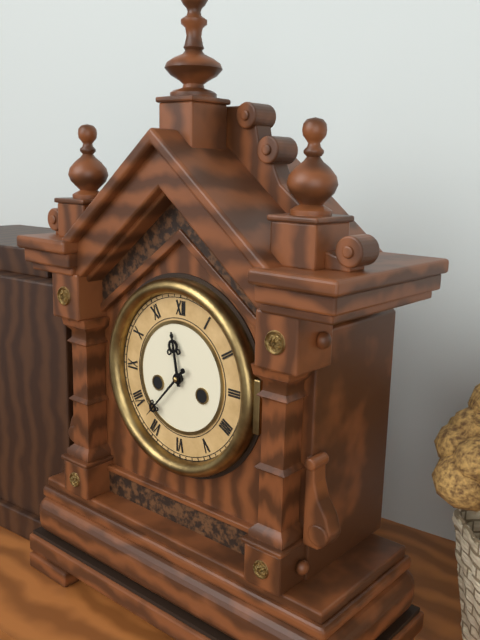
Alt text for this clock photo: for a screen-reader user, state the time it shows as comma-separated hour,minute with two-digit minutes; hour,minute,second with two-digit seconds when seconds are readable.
11,37
